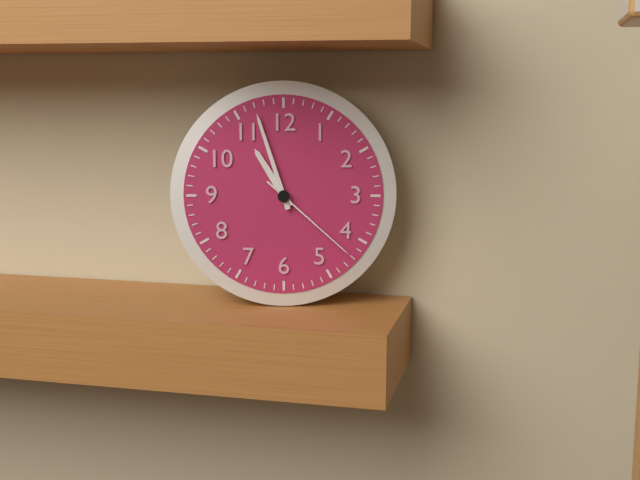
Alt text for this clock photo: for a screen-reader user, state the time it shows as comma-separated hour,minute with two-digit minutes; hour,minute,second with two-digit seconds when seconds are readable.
10,57,22
